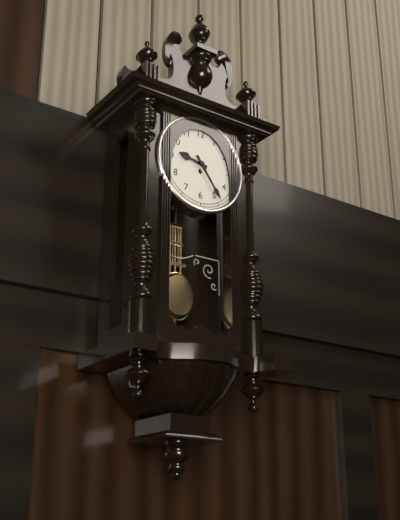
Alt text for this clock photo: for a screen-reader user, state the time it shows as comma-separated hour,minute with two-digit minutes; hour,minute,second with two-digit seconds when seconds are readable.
9,24
